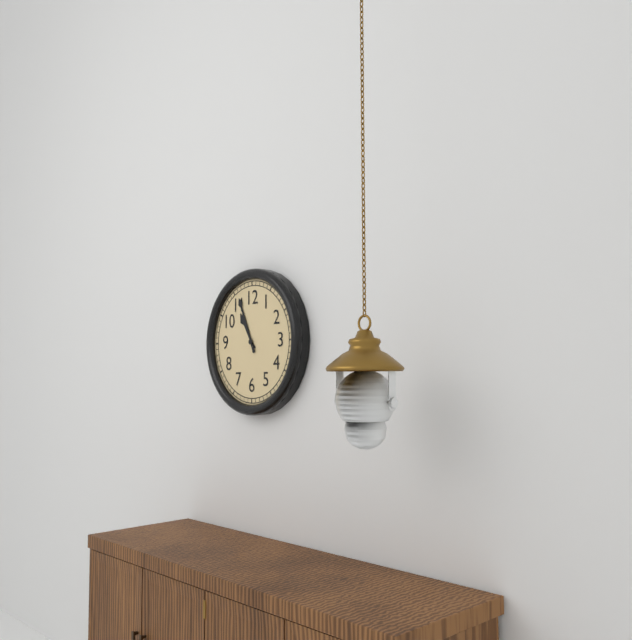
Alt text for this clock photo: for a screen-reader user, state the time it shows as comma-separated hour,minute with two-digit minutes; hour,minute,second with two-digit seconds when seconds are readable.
10,56
